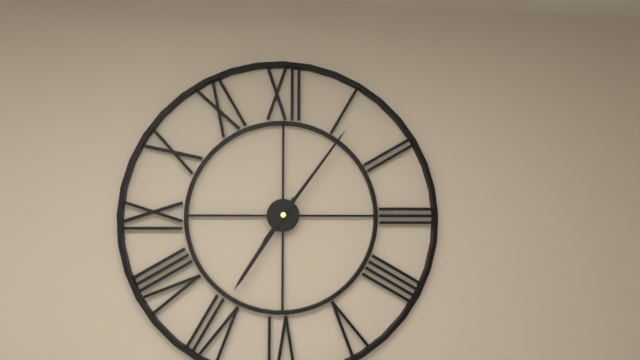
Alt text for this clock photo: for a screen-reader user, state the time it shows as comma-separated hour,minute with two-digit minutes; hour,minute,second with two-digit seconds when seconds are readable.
7,06
